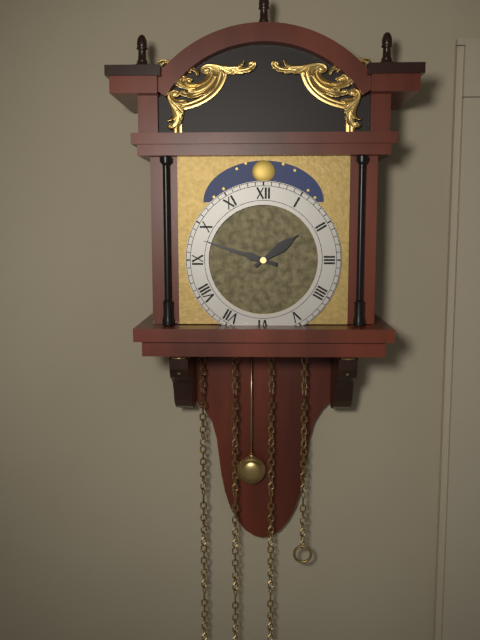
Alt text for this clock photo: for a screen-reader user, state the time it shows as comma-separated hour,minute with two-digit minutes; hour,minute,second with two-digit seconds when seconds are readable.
1,48
